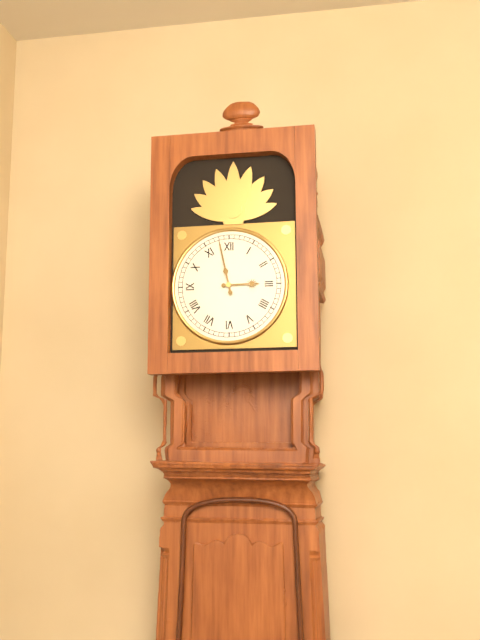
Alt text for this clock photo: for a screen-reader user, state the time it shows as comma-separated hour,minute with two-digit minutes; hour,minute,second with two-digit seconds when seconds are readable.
2,58
